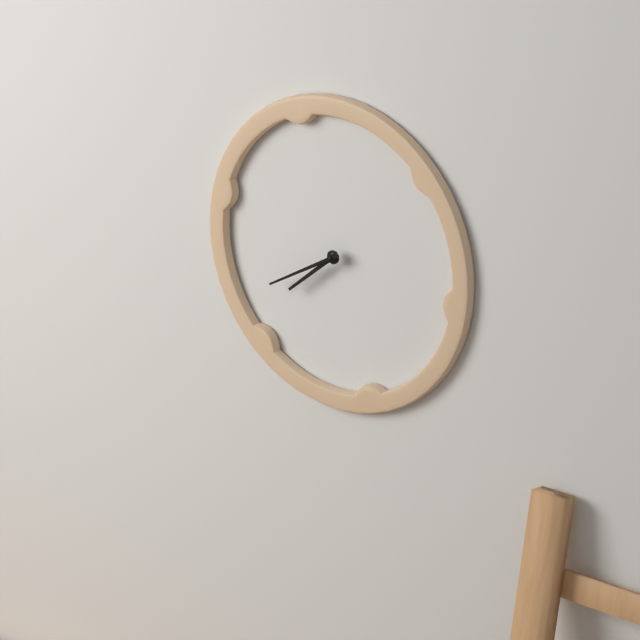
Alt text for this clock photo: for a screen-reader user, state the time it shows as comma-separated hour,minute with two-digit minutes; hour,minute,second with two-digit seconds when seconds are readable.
7,40
